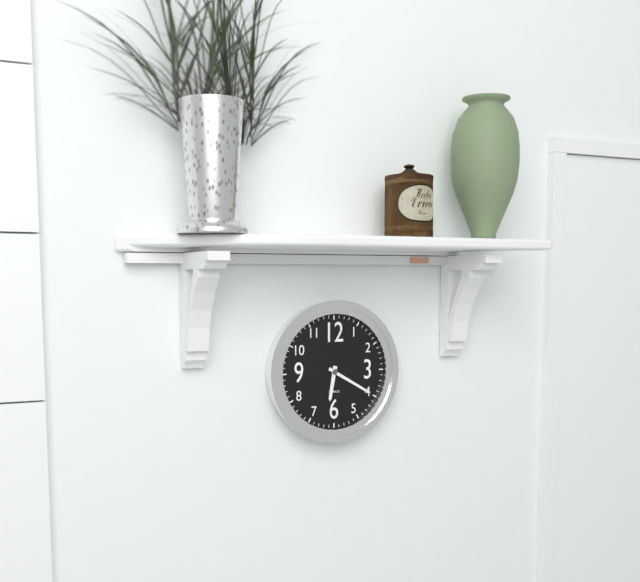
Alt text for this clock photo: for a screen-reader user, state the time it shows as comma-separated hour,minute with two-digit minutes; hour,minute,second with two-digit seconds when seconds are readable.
6,20
